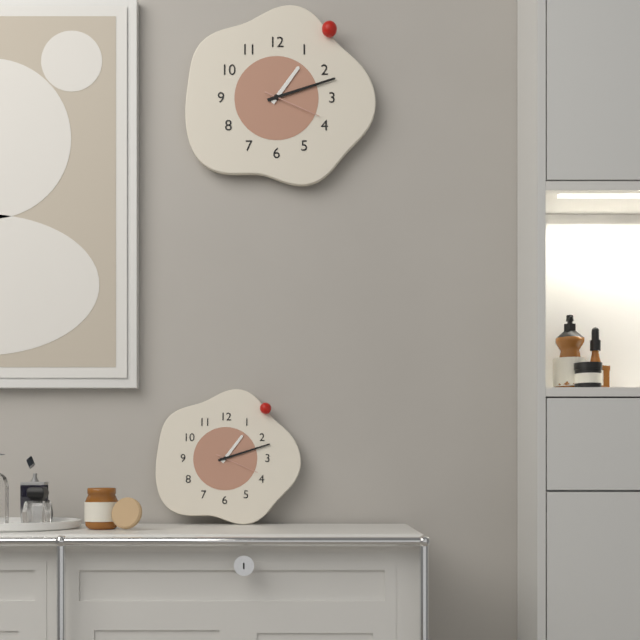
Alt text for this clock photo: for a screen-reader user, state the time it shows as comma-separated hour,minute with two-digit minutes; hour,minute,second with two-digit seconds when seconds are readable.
1,12,19
